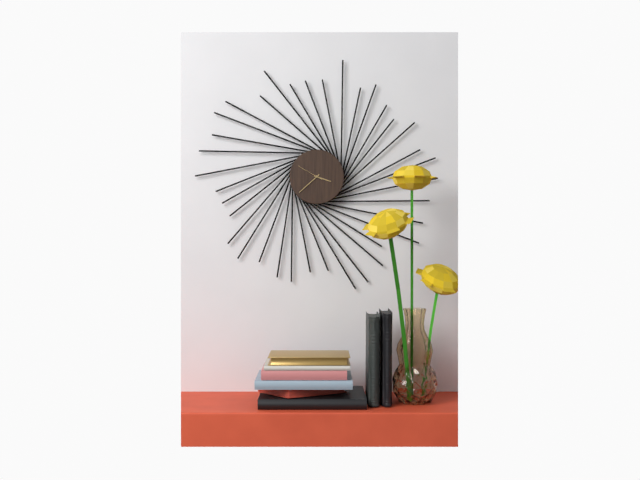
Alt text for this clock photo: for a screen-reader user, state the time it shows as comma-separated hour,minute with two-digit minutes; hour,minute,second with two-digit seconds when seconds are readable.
3,38
